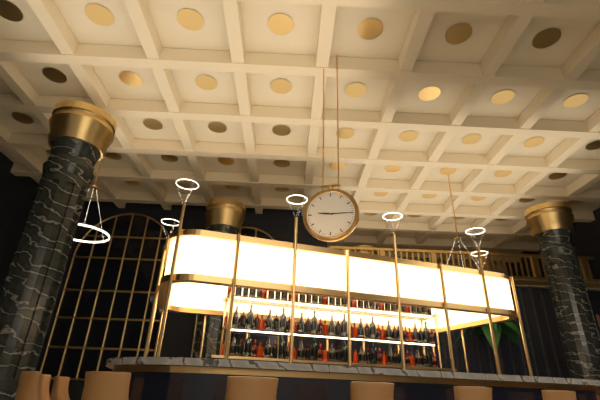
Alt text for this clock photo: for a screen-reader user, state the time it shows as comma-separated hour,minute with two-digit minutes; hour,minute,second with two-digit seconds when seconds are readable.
9,15
